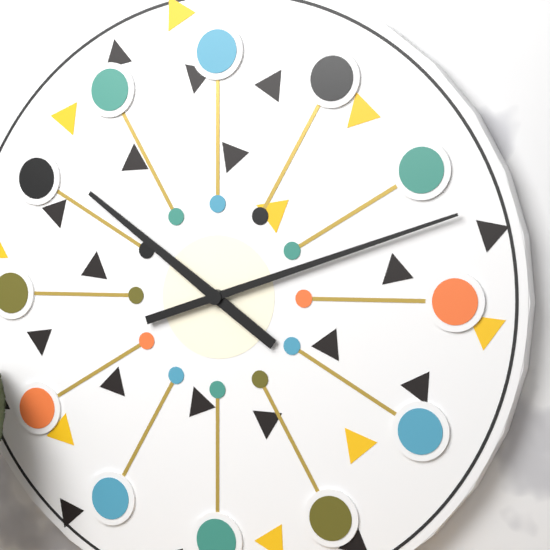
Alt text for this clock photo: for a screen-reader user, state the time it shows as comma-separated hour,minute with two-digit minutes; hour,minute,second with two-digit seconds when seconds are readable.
10,12
